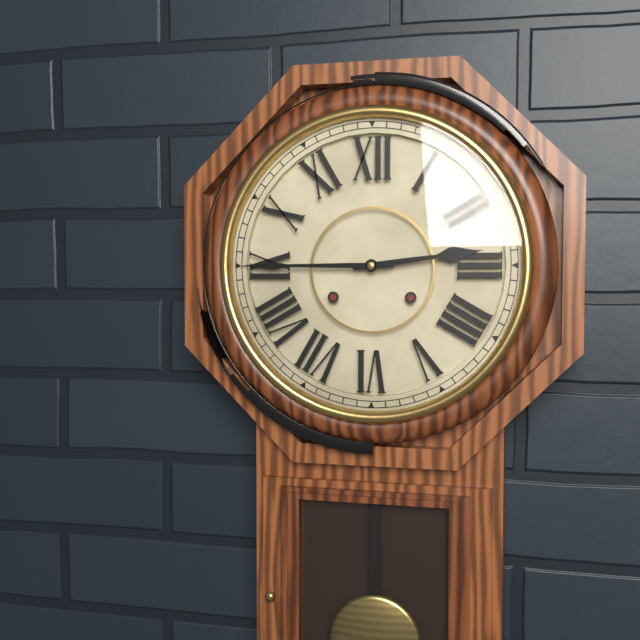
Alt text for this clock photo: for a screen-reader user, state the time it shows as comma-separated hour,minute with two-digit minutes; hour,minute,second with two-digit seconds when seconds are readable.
2,45
